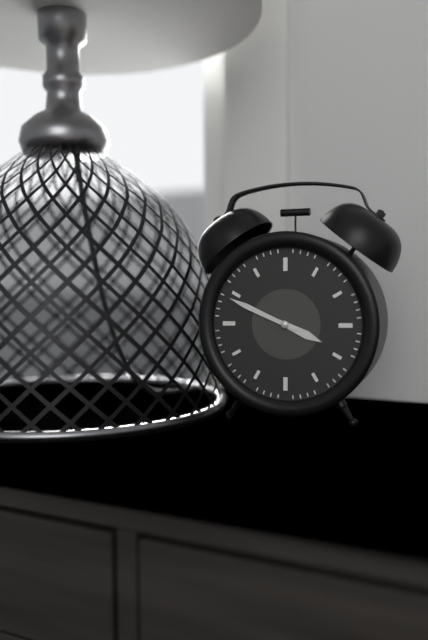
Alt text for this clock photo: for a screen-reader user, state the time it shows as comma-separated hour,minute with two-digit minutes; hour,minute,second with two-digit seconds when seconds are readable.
3,49
